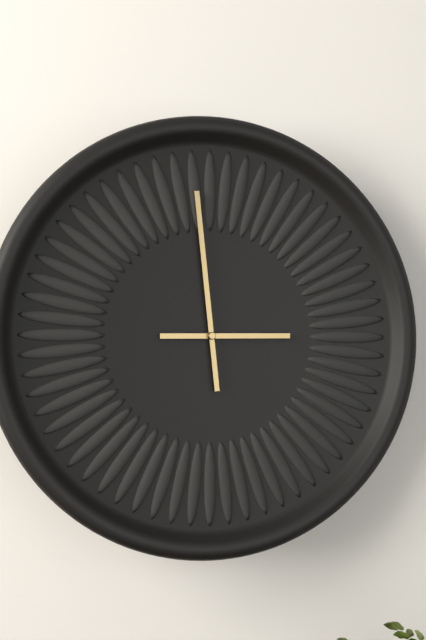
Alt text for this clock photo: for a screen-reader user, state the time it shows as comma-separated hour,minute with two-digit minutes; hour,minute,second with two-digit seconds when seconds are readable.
2,59
